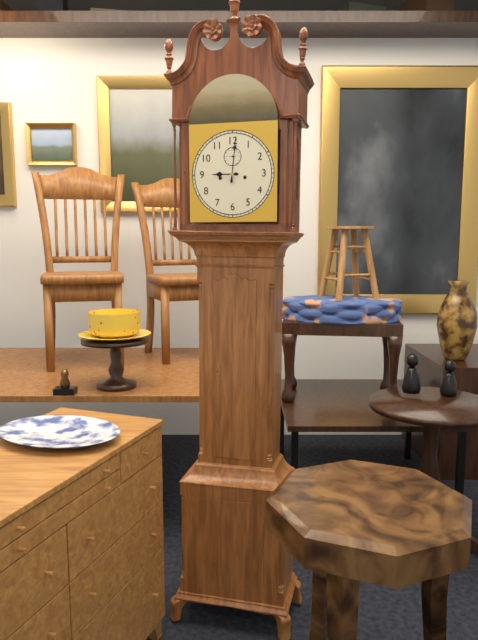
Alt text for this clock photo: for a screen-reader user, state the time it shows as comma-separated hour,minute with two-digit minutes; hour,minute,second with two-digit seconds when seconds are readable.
9,01
